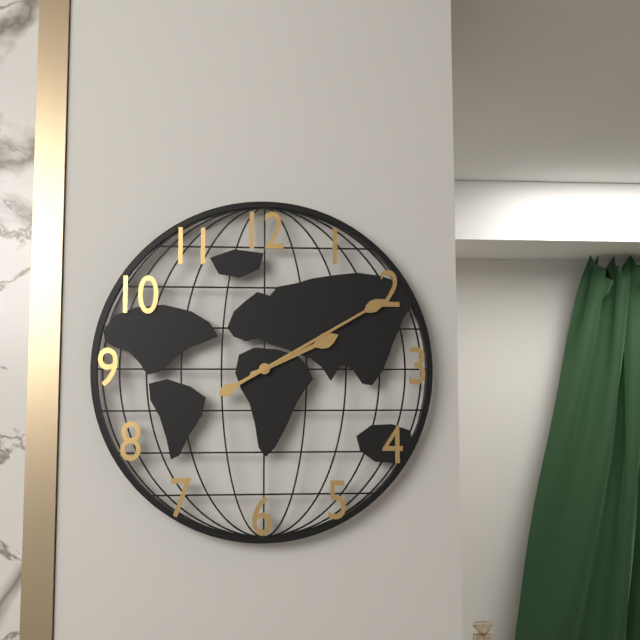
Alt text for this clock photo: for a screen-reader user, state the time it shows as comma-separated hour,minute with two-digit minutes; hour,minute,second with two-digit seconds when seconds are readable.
2,10
